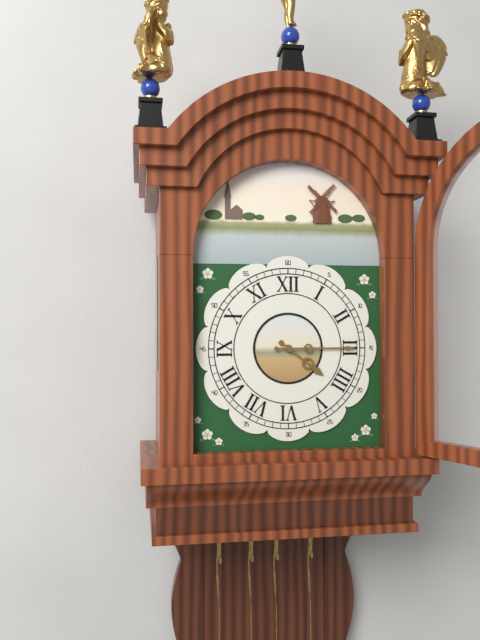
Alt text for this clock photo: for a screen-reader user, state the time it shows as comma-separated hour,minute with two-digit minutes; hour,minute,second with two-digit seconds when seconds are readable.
4,15
